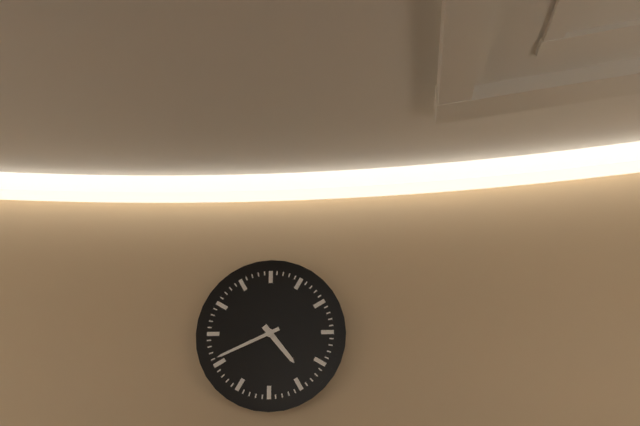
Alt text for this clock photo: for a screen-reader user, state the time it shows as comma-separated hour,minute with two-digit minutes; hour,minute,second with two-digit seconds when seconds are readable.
4,41
